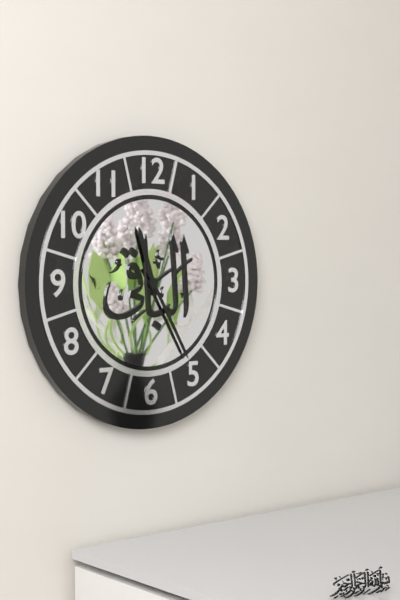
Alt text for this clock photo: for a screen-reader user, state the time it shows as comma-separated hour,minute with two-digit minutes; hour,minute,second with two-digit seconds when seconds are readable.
11,25
